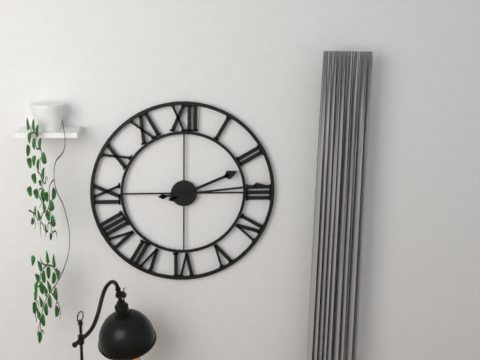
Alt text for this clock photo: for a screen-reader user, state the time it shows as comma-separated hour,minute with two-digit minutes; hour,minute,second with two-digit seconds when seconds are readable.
2,14
